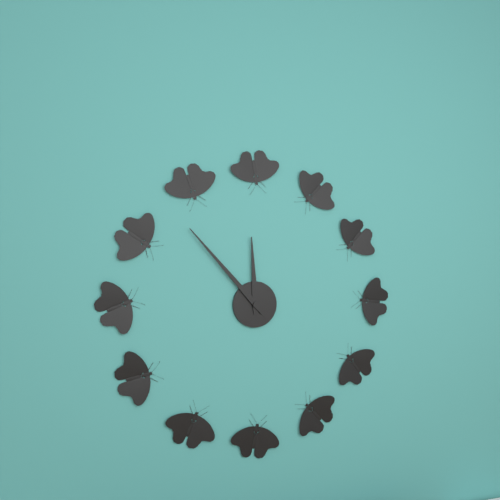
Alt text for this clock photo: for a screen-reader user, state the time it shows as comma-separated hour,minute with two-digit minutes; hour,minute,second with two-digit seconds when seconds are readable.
11,53
